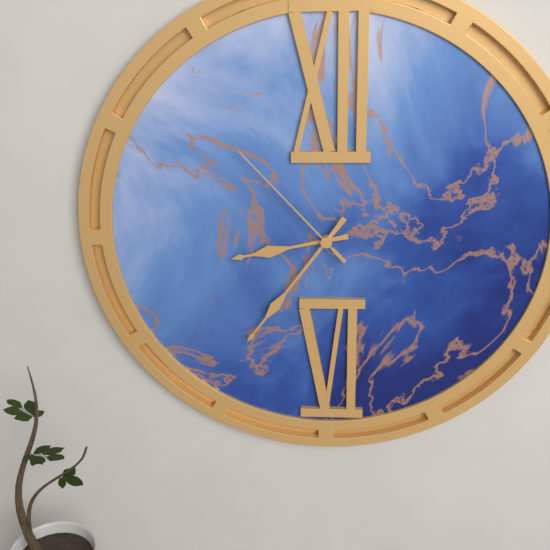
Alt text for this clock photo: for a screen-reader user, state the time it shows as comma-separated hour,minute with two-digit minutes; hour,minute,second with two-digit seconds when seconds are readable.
8,36,53
